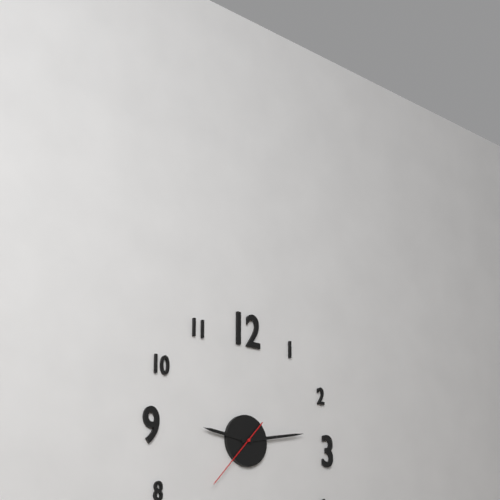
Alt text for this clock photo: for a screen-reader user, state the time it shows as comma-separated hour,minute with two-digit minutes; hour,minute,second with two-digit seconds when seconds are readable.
9,13,37
